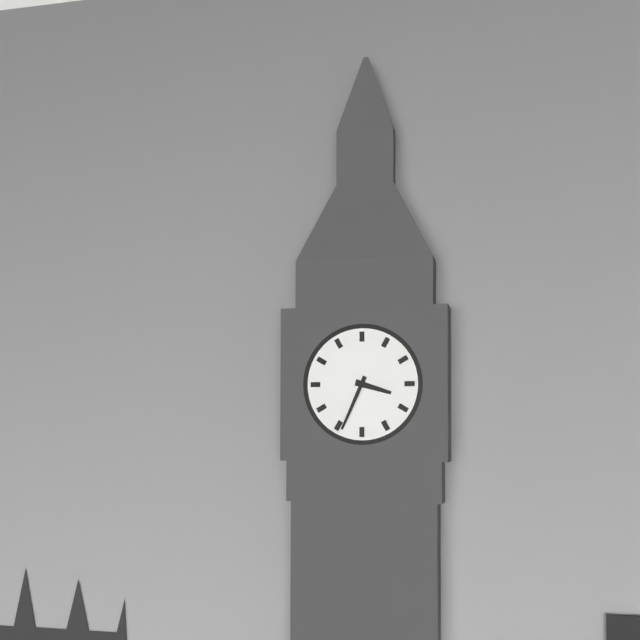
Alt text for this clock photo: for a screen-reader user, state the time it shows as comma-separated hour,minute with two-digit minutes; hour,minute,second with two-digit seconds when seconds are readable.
3,34
